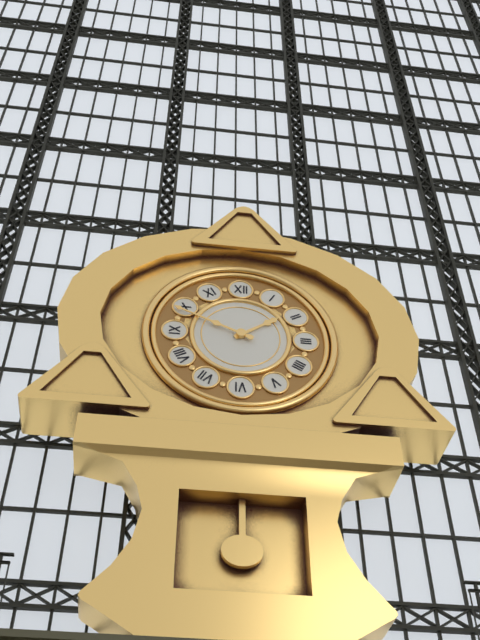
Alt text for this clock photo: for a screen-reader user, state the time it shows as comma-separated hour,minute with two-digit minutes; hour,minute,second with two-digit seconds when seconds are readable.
1,49
